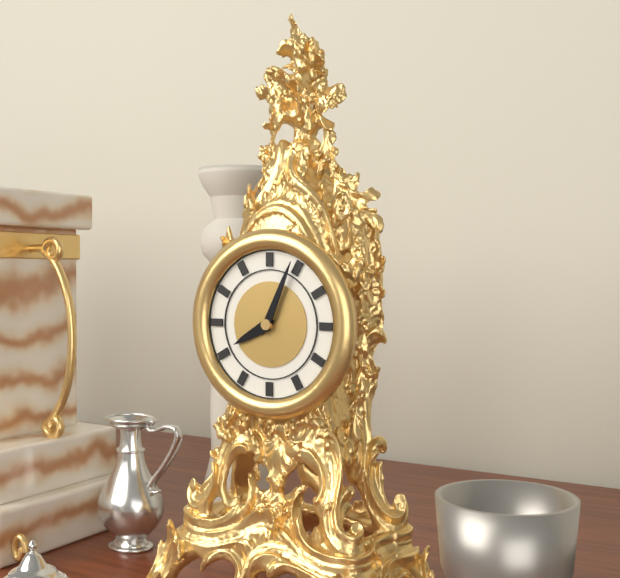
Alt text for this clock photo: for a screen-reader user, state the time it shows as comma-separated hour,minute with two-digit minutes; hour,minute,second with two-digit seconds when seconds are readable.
8,04
